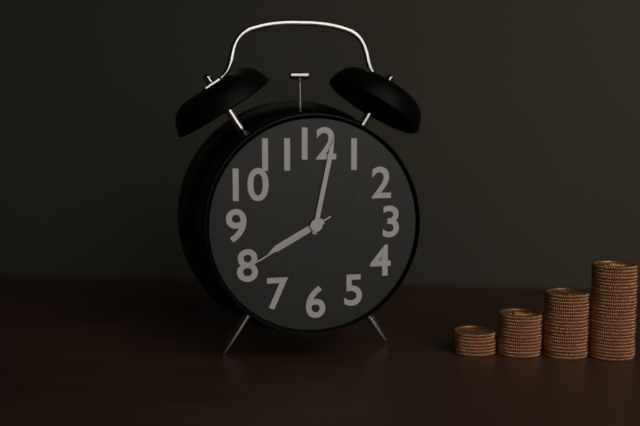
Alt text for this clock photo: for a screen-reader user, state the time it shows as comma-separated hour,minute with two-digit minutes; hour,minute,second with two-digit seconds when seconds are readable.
8,02,40
